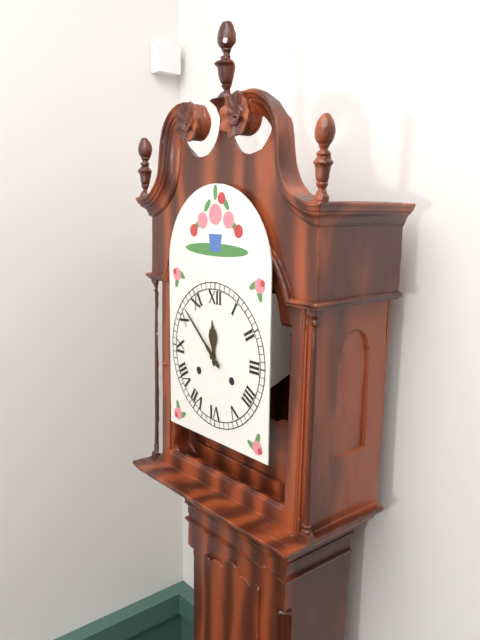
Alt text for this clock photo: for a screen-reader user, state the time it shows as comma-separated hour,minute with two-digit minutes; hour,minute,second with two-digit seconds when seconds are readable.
11,52
